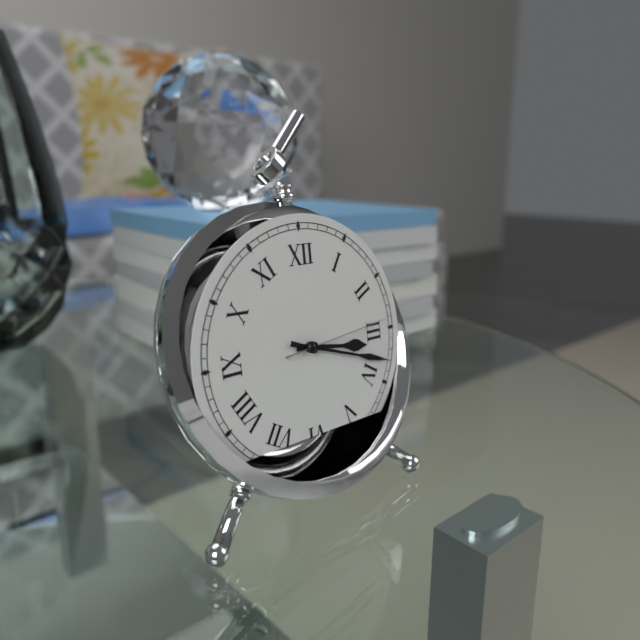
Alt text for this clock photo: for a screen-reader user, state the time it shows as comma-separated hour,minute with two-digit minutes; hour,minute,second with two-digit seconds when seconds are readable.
3,18,14
